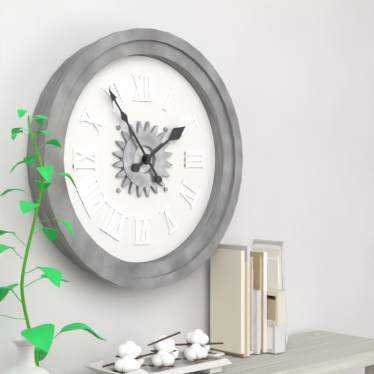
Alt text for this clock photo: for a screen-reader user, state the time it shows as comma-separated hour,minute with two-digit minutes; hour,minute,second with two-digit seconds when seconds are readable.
1,54
